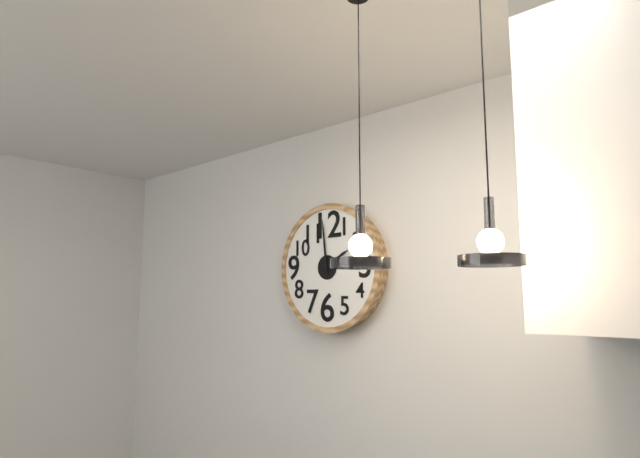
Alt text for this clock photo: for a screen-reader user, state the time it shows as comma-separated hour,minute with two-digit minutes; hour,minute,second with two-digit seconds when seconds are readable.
1,59
